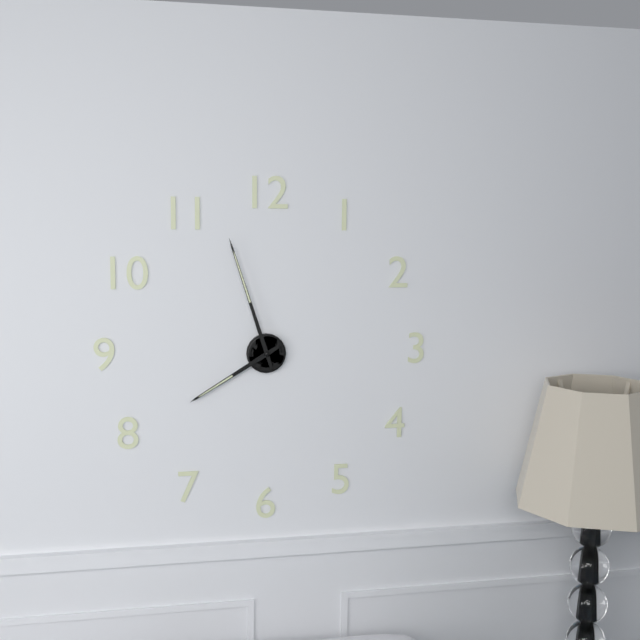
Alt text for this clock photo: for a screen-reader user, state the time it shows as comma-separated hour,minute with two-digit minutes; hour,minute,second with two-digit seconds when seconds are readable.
7,57
